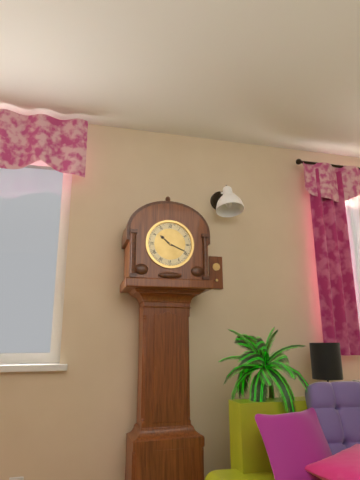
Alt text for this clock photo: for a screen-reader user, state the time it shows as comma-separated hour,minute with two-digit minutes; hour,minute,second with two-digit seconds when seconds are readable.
10,19
